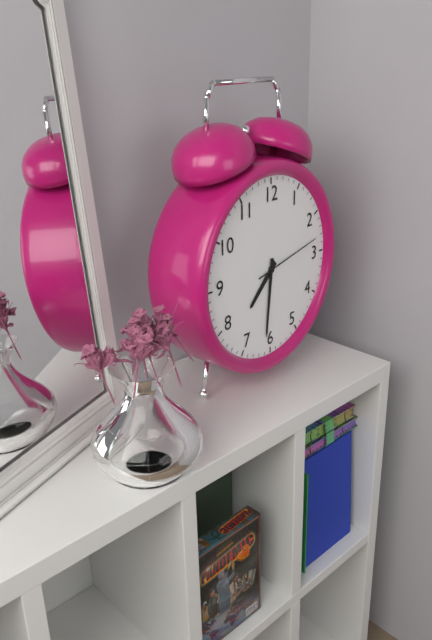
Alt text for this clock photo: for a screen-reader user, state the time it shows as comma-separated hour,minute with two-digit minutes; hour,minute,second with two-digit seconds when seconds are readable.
7,31,13
